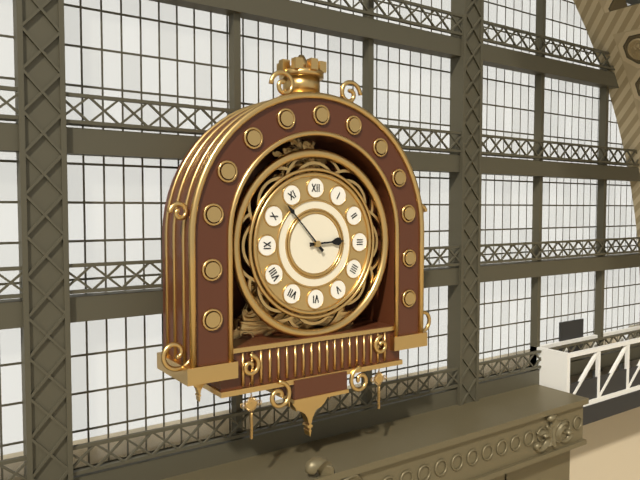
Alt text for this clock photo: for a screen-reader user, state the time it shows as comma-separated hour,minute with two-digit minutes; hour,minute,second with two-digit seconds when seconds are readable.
2,53
